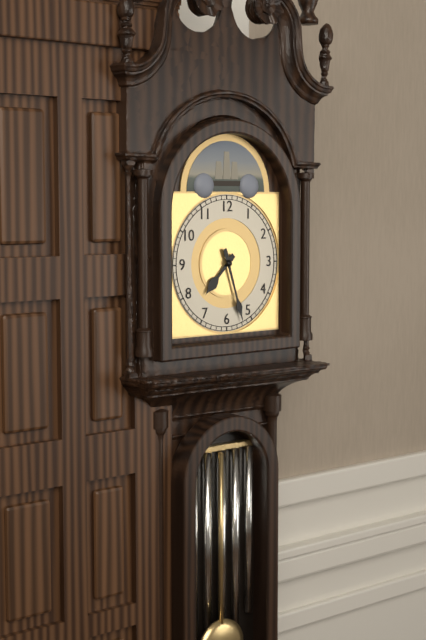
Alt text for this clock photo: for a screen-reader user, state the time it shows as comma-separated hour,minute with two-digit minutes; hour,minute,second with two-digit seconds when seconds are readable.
7,27
